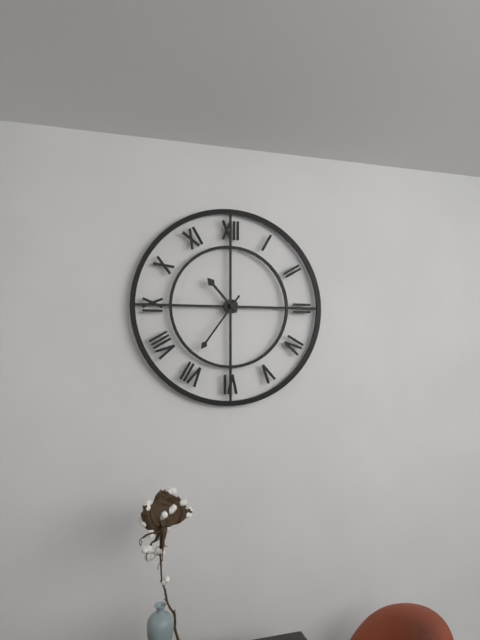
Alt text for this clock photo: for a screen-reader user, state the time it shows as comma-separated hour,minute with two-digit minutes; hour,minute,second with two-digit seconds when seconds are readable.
10,36
